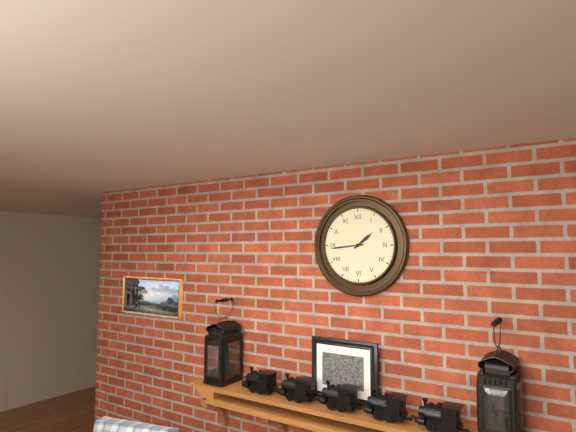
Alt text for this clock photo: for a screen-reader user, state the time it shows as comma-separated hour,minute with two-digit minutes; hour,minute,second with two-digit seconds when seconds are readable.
1,44
